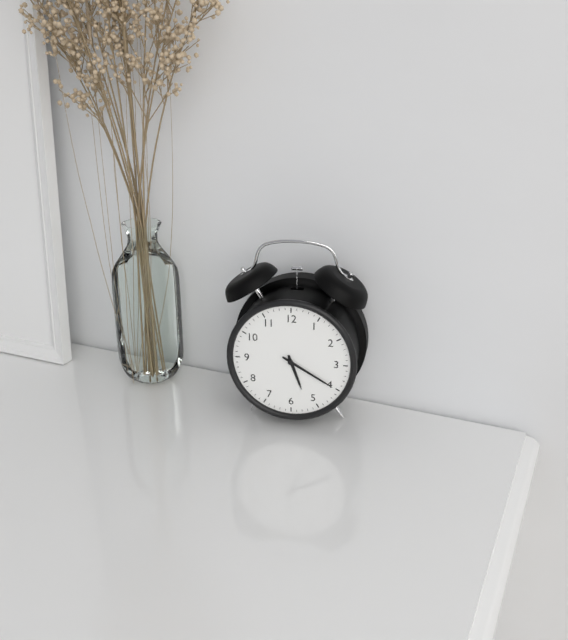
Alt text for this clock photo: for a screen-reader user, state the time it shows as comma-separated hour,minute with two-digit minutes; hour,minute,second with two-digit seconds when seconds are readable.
5,20
